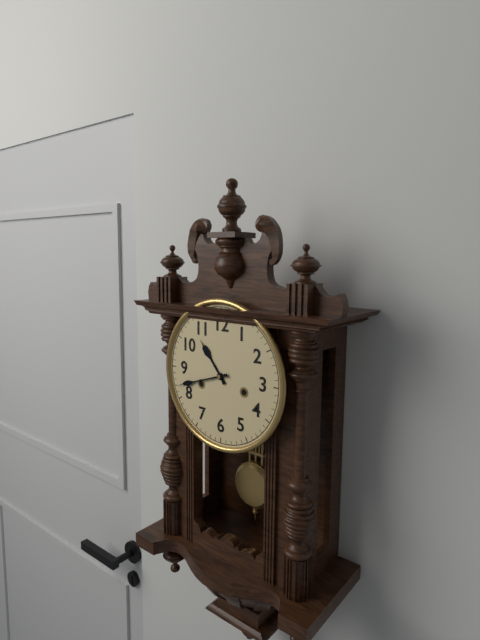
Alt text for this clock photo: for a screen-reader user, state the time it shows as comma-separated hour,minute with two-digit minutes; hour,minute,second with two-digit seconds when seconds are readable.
10,42
